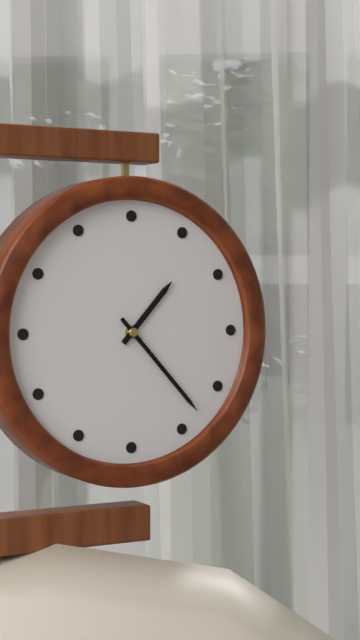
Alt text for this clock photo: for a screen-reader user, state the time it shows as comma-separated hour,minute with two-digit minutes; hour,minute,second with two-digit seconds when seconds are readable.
1,23
